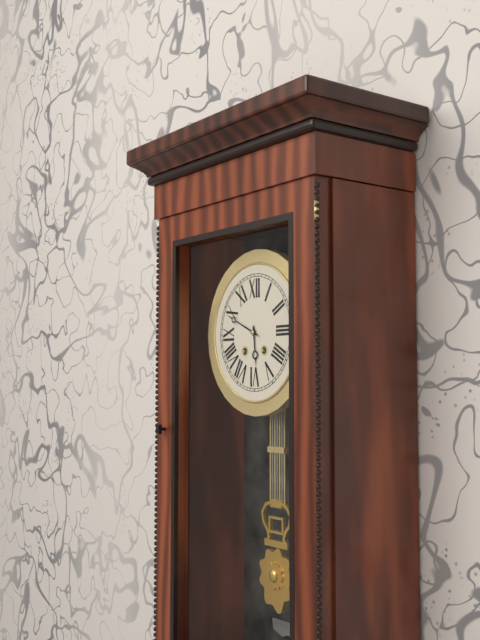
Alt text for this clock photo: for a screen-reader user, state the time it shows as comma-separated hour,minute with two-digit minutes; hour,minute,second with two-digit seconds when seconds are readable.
5,49
